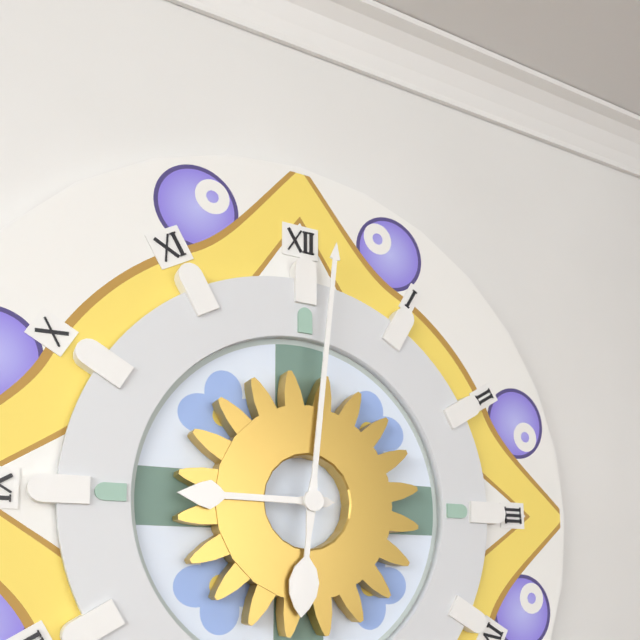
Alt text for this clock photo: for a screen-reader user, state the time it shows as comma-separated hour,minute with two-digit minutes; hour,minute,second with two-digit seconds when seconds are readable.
9,01
